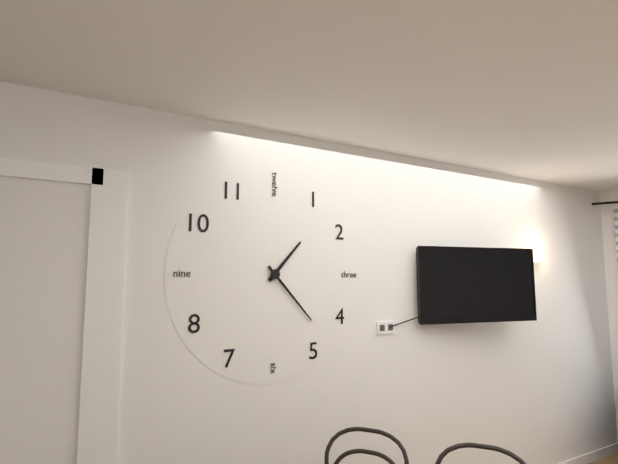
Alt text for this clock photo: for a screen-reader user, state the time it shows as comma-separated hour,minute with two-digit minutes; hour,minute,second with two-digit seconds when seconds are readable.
1,23
